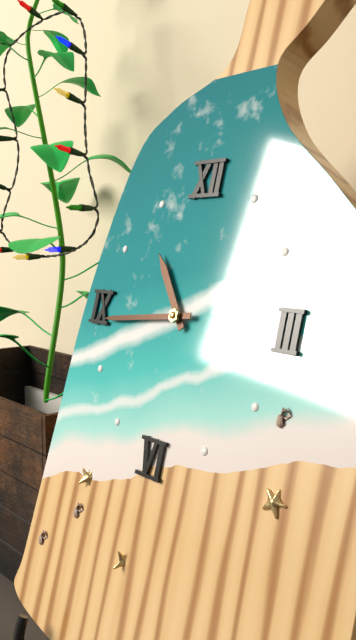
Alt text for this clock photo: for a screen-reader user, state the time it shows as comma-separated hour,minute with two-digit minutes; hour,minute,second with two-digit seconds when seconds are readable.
10,44
